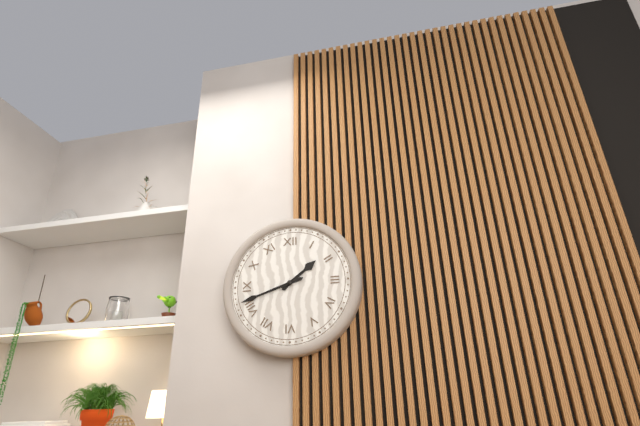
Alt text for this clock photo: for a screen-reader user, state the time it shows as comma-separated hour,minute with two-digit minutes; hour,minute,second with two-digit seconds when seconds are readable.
1,42
